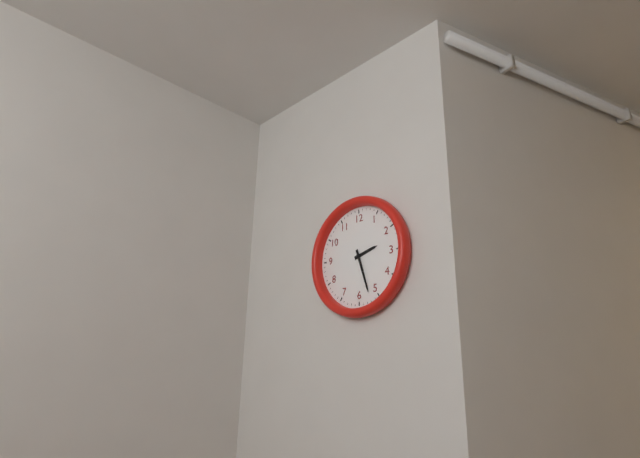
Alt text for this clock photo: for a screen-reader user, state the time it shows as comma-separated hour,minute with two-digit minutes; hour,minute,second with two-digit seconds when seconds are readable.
2,27
